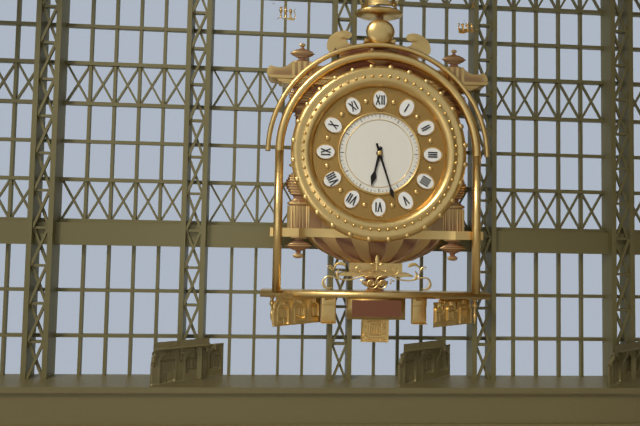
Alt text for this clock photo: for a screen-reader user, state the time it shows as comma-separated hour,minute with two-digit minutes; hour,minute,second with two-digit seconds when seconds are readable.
6,27
